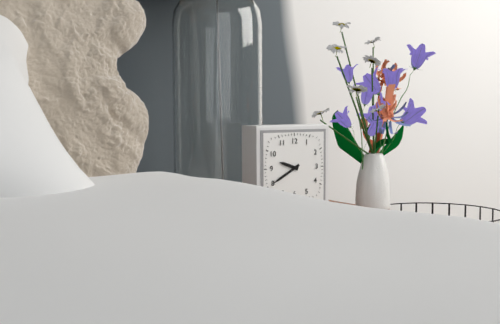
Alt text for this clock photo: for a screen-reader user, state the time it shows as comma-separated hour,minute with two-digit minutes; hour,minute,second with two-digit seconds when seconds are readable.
9,40
